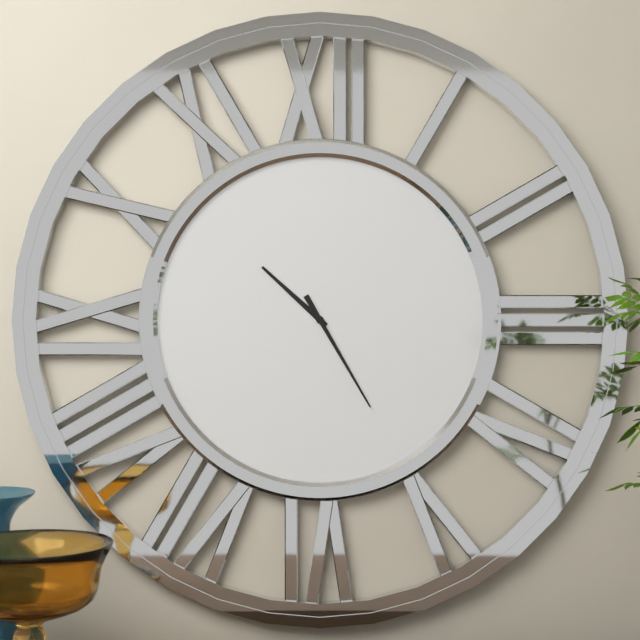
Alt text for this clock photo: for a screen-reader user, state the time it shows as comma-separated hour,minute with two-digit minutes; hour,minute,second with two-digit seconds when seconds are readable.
10,25
